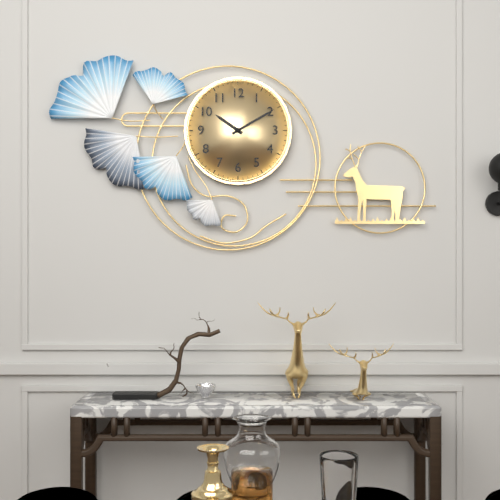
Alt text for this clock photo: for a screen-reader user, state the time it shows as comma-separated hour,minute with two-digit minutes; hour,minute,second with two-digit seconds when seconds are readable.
10,10
